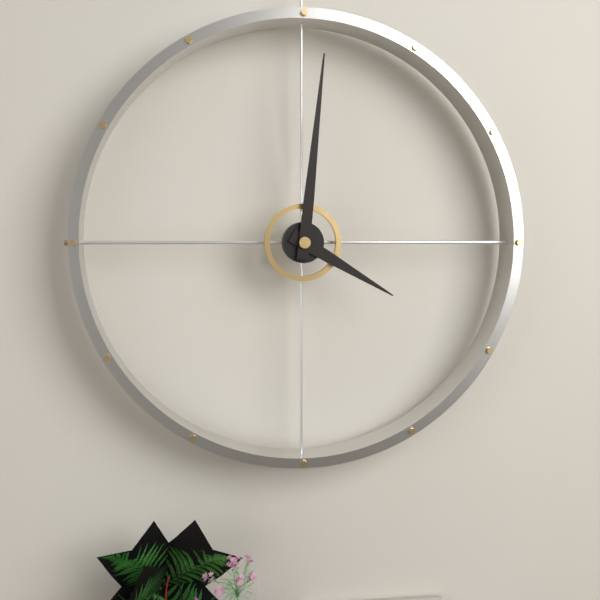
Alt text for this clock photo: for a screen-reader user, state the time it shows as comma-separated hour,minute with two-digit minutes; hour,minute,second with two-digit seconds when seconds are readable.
4,01
